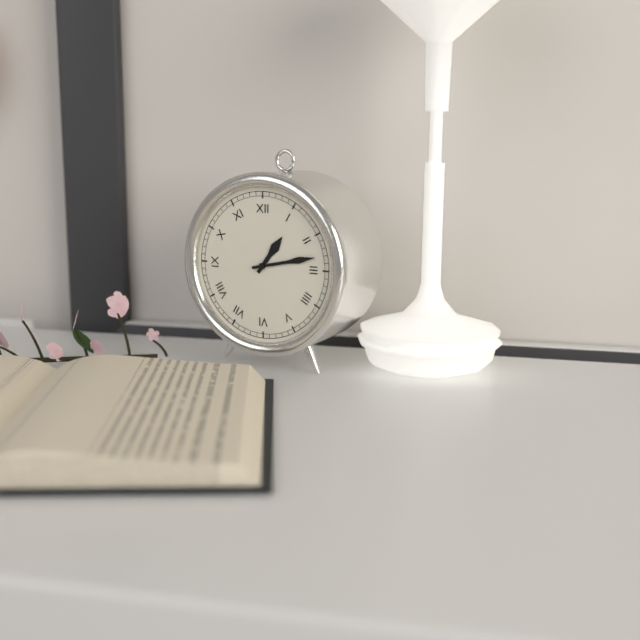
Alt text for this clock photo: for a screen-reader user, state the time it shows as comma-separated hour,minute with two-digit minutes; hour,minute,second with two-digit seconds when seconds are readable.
1,13
